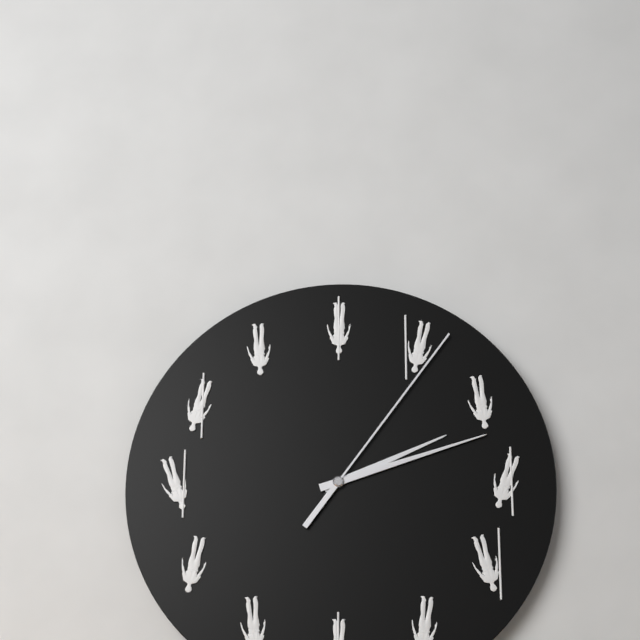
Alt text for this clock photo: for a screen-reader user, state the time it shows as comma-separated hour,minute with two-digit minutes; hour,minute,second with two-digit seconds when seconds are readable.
2,12,06
